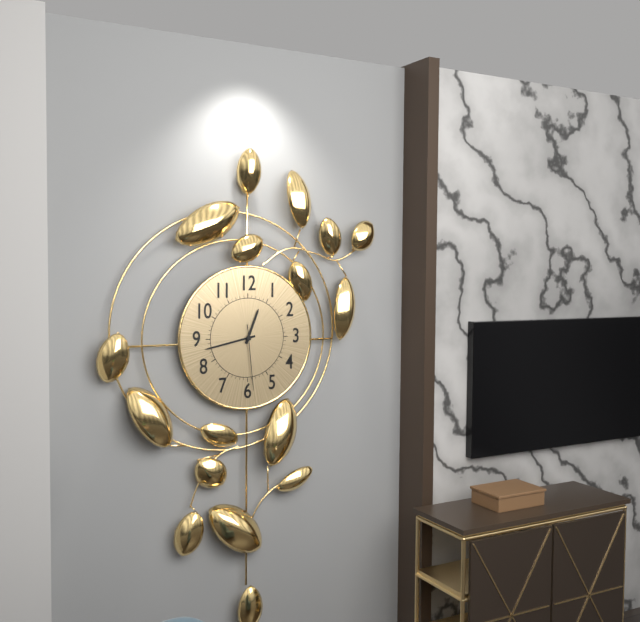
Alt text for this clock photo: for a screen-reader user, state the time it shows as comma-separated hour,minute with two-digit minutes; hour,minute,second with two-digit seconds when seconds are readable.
12,43,29
